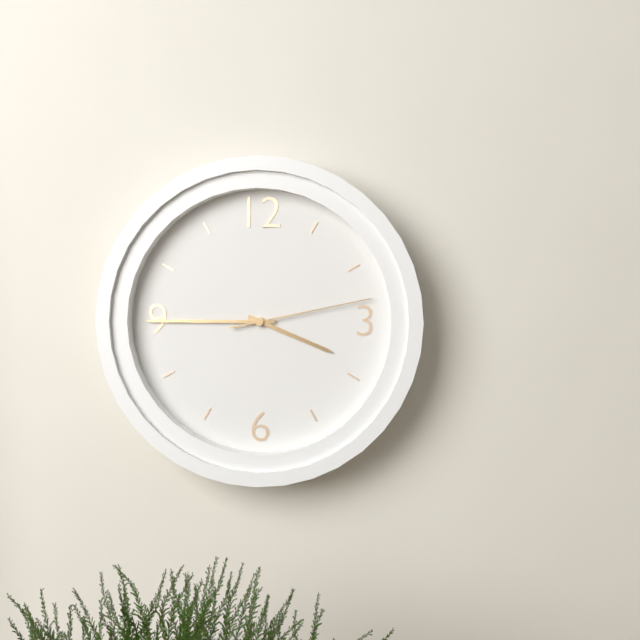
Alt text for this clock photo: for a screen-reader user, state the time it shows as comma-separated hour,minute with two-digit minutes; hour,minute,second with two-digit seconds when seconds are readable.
3,45,13
